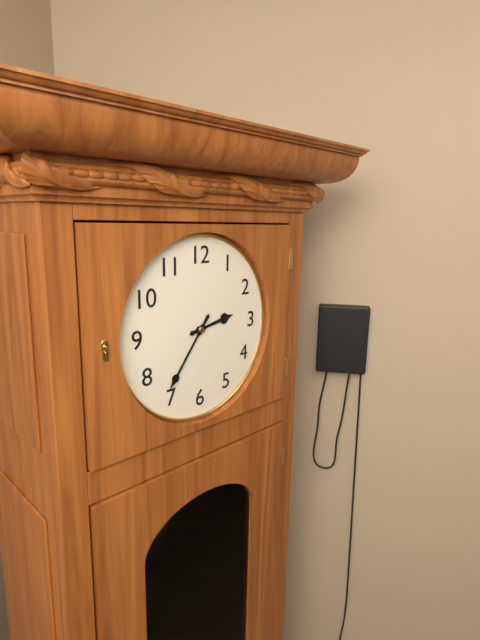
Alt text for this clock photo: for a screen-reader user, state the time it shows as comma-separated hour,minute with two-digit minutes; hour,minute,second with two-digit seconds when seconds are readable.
2,36
